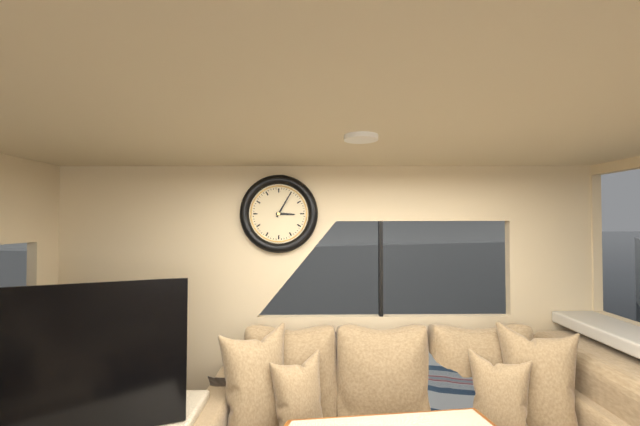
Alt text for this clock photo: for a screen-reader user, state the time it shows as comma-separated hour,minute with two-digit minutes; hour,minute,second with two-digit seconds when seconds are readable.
3,05
